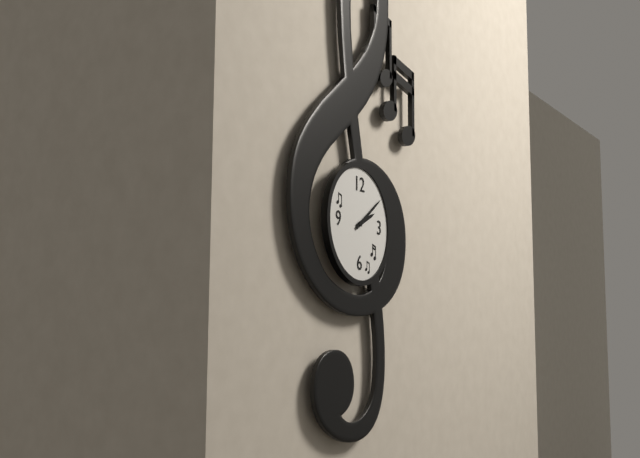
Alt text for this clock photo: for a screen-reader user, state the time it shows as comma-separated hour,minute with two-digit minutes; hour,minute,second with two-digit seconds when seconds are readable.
2,09
